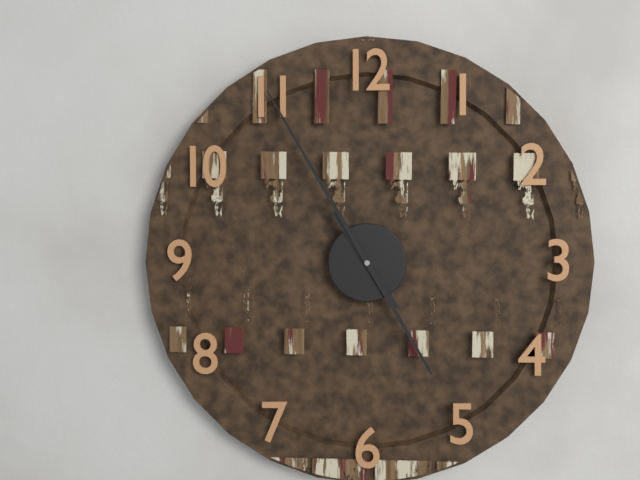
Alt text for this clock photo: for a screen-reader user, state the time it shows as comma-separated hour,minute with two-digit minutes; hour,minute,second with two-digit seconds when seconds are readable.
10,55
